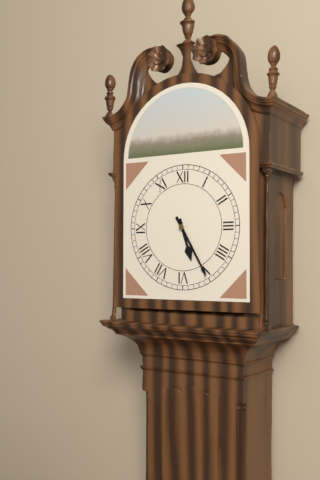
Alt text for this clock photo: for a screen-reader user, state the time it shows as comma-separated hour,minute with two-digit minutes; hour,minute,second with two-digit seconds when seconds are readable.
5,25
